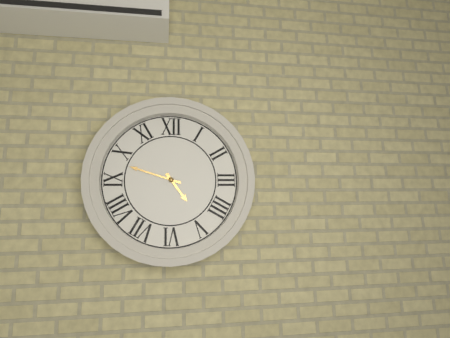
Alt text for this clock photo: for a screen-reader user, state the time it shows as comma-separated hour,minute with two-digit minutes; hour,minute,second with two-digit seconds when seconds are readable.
4,48
